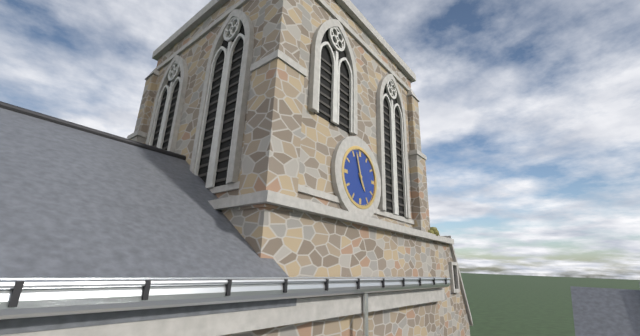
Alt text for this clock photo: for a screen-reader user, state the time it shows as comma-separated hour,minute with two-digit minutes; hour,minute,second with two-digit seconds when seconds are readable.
4,57
